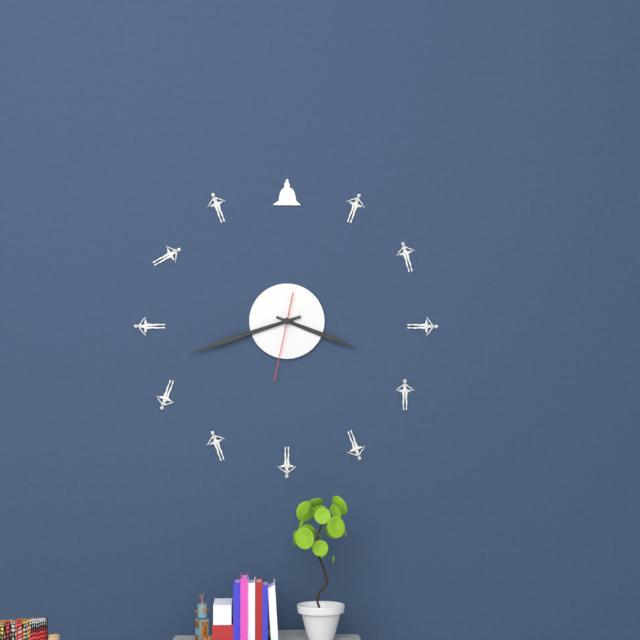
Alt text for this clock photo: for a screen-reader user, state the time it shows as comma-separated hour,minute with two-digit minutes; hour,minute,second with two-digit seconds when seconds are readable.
3,42,32
